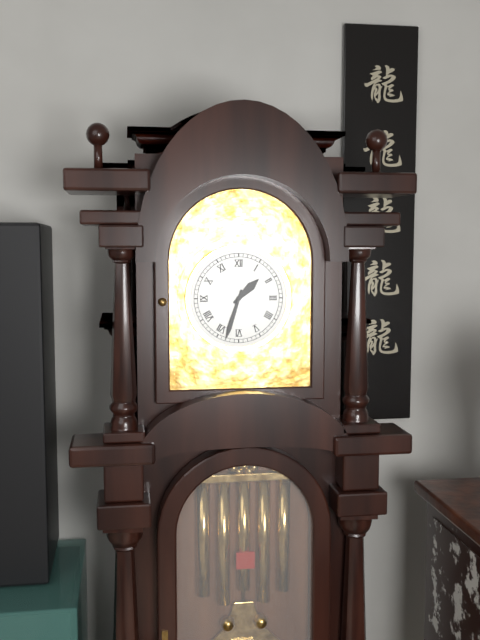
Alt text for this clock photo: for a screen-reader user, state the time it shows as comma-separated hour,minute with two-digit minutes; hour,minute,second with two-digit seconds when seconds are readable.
1,33
